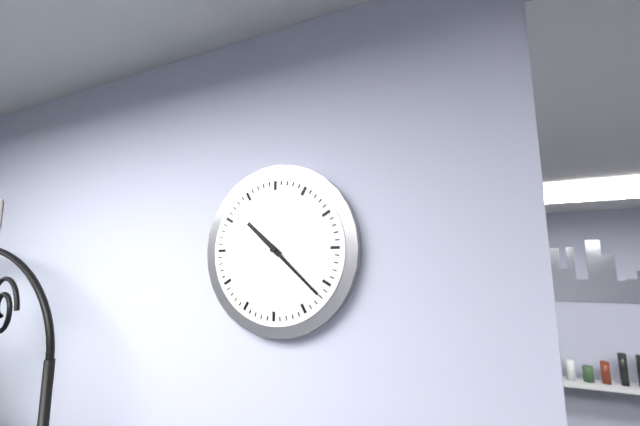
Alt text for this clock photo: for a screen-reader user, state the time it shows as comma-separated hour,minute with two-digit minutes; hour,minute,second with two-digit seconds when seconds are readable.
10,22
